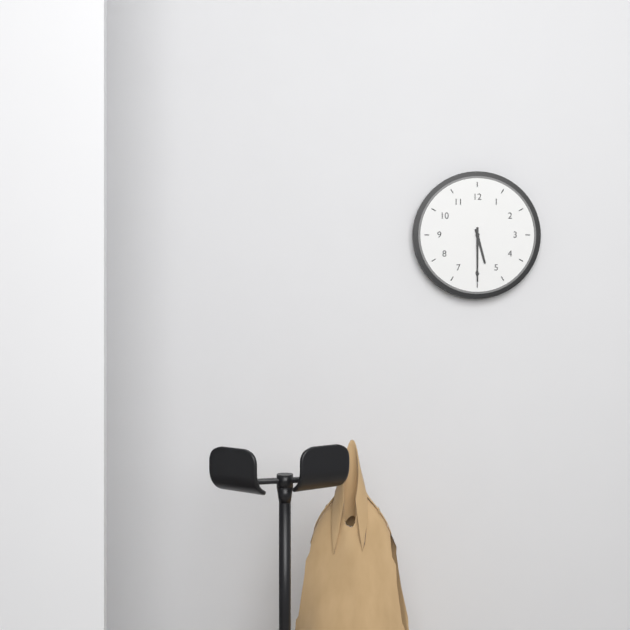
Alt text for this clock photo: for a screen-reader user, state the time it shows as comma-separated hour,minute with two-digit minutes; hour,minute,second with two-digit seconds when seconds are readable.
5,30
